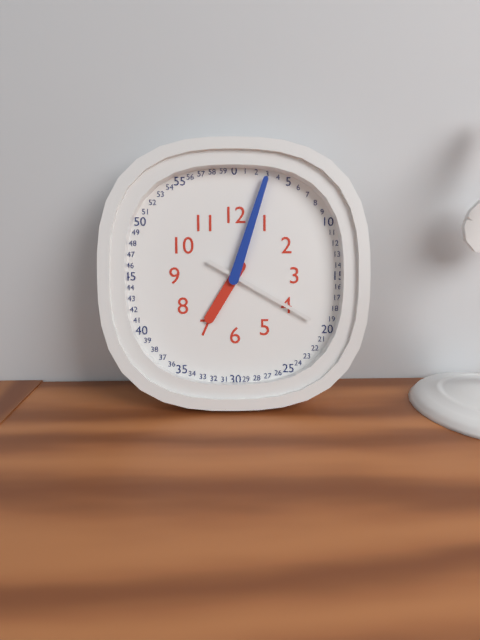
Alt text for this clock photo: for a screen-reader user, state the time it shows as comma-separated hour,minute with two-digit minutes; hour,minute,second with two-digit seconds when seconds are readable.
7,03,20
